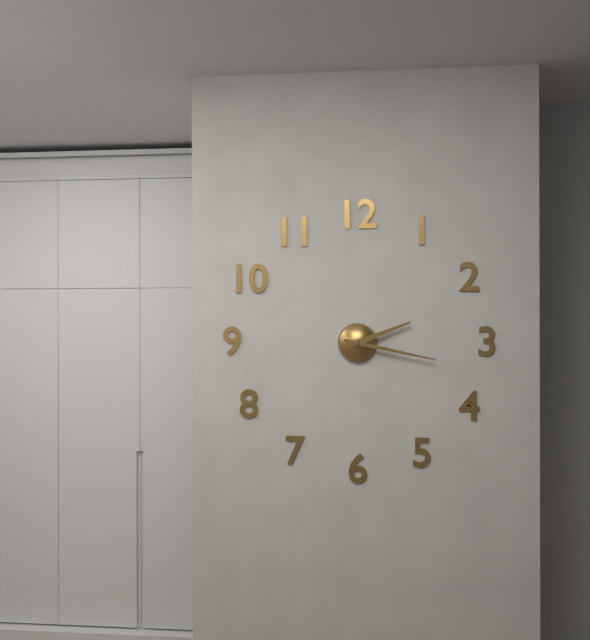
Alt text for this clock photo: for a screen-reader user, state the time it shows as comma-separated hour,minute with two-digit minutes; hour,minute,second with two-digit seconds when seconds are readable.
2,17
